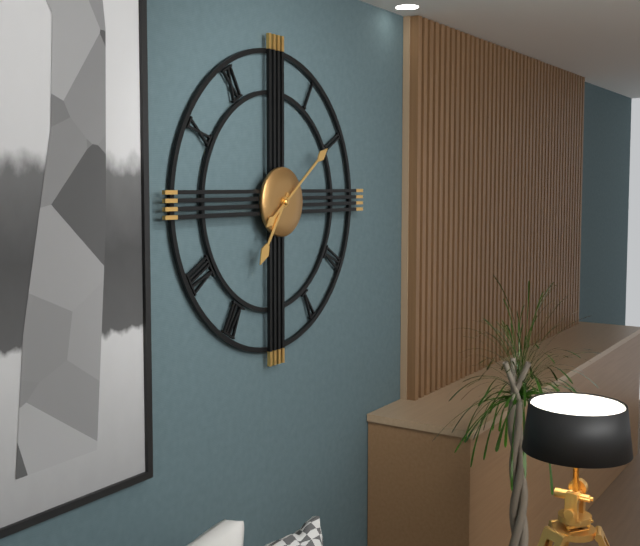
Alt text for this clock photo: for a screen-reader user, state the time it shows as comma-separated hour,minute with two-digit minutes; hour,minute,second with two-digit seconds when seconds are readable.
7,09
